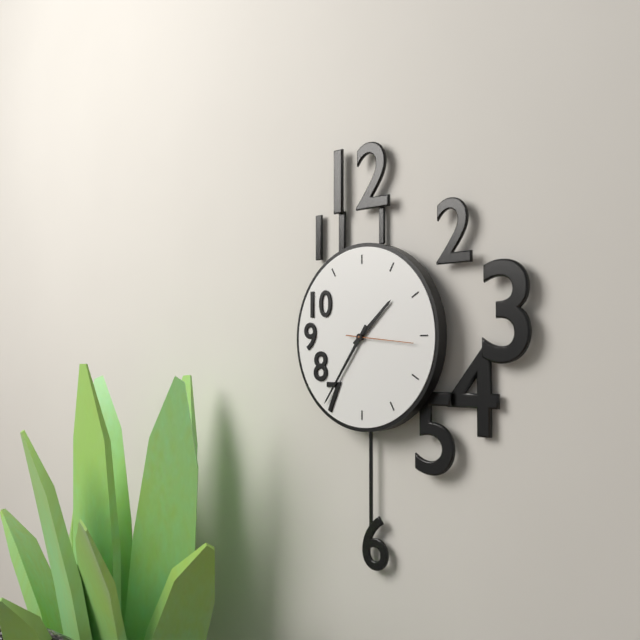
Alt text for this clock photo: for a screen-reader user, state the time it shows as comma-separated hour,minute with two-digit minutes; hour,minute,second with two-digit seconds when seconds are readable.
1,36,16
